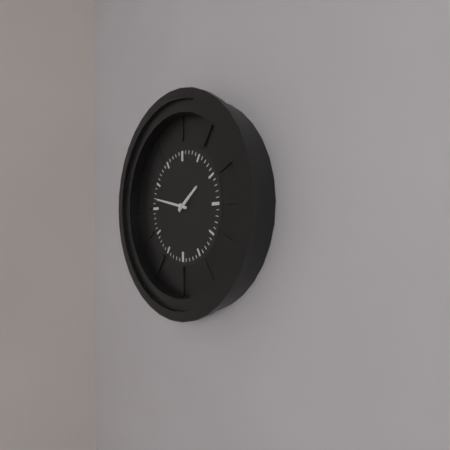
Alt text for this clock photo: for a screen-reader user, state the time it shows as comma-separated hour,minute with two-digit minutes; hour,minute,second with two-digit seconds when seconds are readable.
1,47
